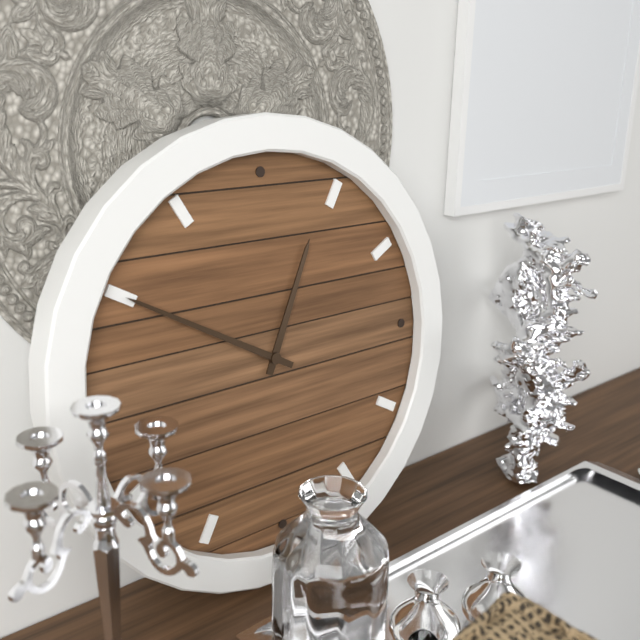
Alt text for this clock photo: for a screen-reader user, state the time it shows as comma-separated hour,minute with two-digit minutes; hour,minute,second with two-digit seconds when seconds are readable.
12,50
